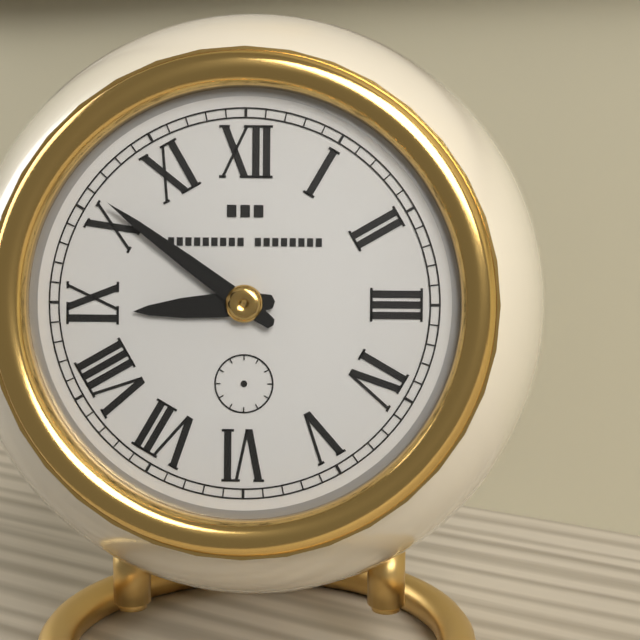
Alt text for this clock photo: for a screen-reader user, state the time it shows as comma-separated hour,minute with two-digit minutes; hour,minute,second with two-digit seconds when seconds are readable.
8,51
